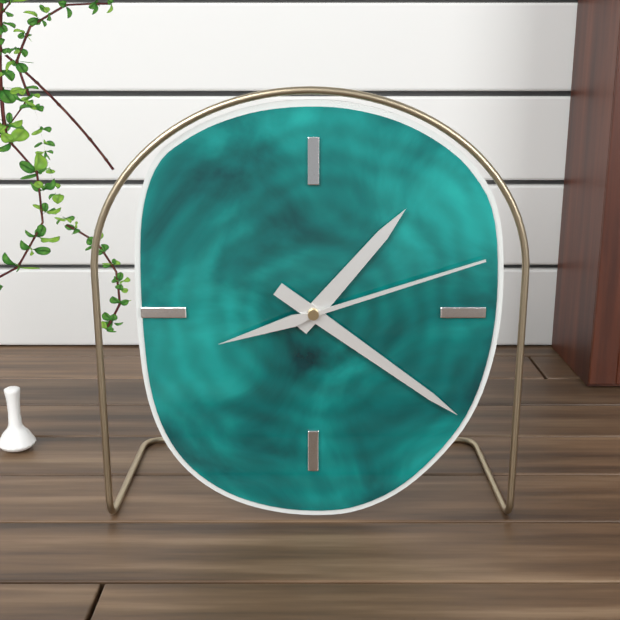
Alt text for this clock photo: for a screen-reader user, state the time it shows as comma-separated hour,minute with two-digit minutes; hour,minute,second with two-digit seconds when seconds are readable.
1,21,12
